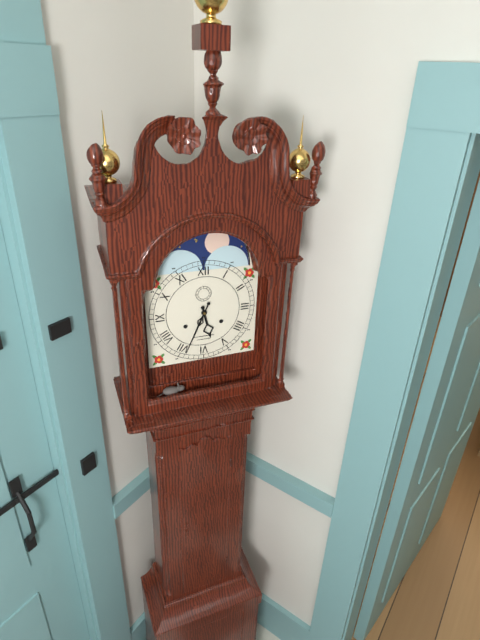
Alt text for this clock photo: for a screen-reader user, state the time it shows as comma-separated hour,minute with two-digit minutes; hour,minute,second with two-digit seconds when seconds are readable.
5,34
